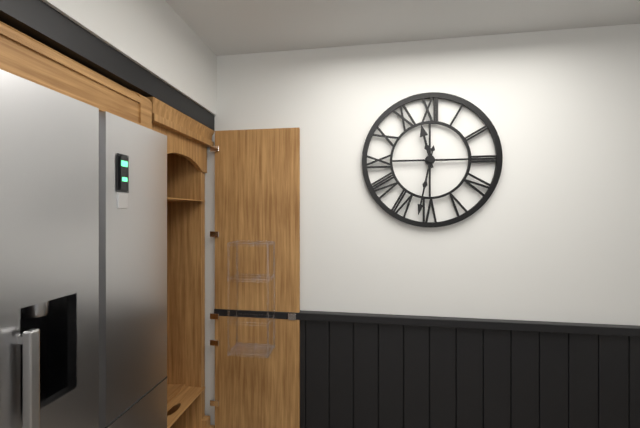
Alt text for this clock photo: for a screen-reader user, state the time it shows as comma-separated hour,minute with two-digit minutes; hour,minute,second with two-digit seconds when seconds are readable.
11,32
